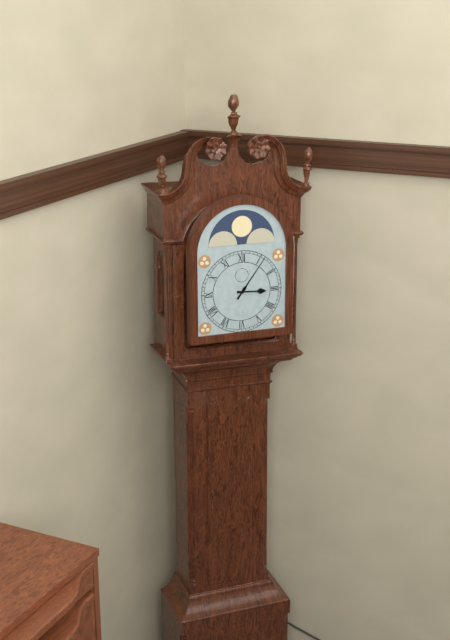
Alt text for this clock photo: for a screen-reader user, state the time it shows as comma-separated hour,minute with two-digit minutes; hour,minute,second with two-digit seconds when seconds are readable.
3,06
